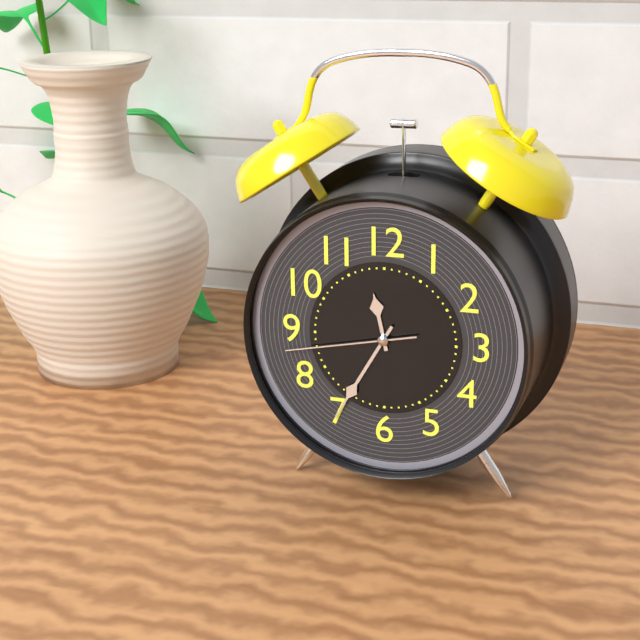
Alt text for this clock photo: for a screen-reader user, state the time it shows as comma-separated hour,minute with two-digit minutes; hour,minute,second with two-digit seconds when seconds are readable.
11,35,43
